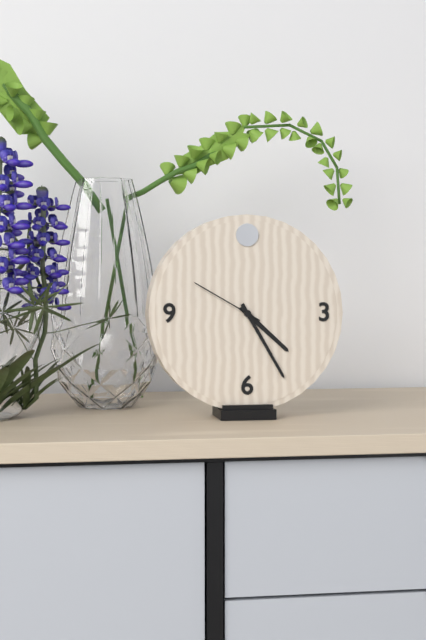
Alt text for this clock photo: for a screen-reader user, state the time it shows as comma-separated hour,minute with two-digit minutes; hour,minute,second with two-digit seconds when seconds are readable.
4,25,50
